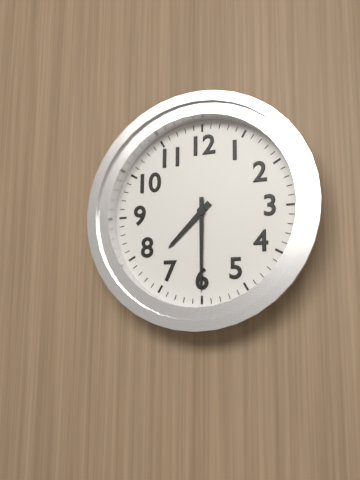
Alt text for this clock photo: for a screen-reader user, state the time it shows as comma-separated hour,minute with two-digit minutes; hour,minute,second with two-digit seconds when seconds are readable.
7,30
